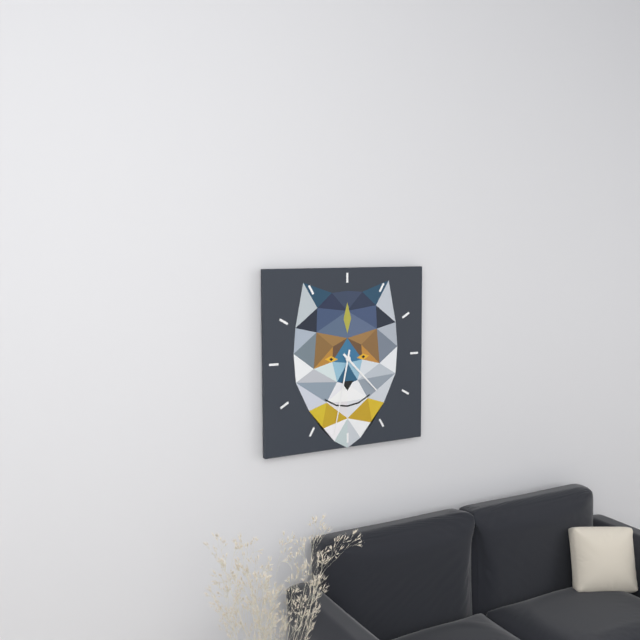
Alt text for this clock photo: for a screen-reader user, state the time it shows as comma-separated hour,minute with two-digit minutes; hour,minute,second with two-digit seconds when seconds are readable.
4,32
